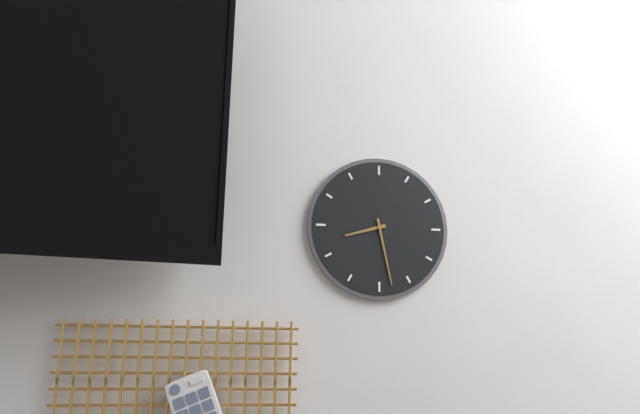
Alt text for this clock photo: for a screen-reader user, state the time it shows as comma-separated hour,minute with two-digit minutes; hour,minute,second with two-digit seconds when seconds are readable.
8,28
